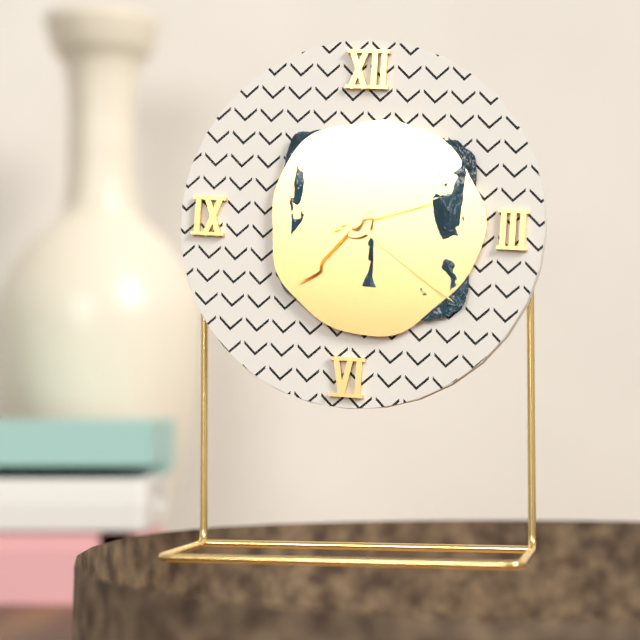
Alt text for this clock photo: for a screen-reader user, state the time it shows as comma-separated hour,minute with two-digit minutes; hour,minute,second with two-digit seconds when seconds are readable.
7,21,12
